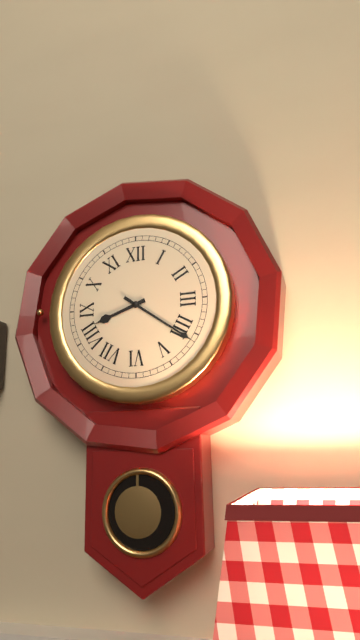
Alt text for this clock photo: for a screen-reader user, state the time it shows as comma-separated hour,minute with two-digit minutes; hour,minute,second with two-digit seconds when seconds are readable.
8,21
